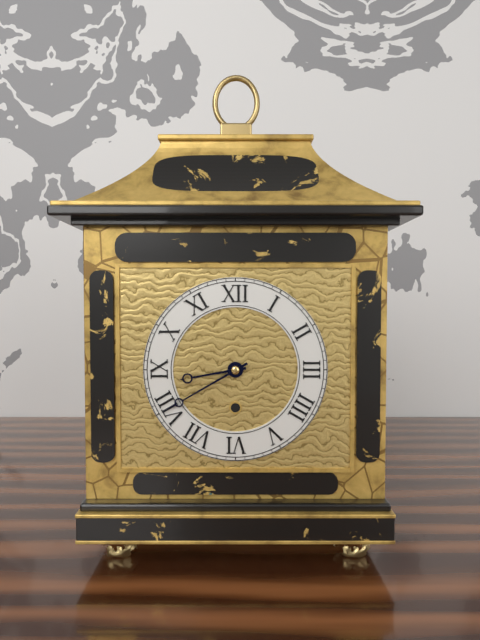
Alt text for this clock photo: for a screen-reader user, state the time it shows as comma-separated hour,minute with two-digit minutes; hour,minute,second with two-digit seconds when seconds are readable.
8,40
